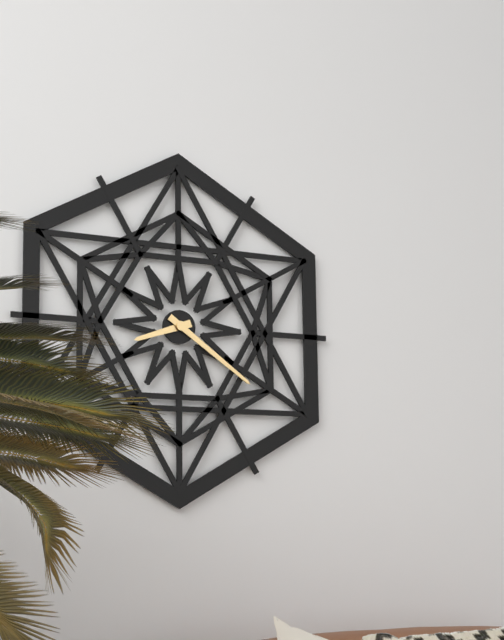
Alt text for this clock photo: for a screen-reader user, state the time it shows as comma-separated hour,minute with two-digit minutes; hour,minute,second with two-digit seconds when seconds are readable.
8,21
